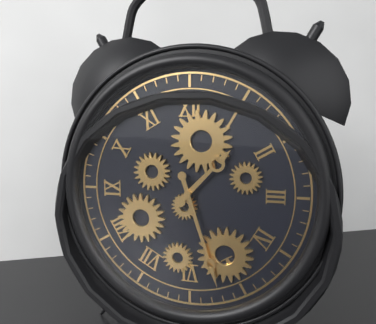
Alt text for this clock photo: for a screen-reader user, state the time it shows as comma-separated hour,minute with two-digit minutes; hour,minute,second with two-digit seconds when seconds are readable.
1,27
